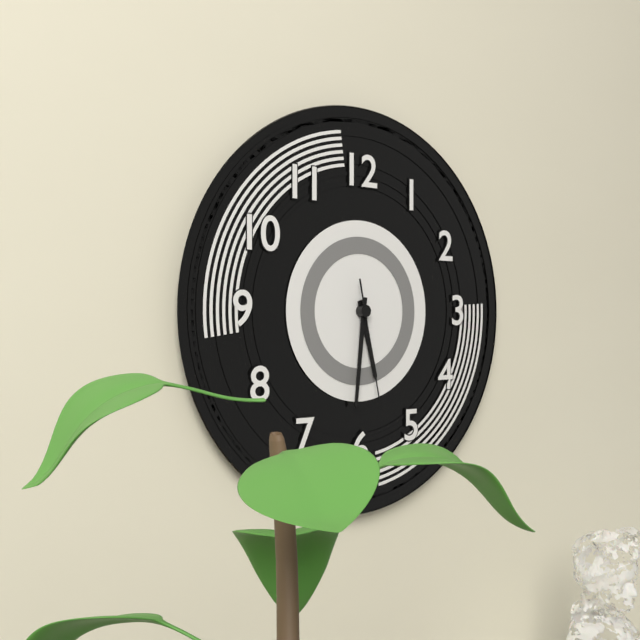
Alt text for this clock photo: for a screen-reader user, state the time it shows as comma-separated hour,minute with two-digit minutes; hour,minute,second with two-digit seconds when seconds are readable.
5,31,28
